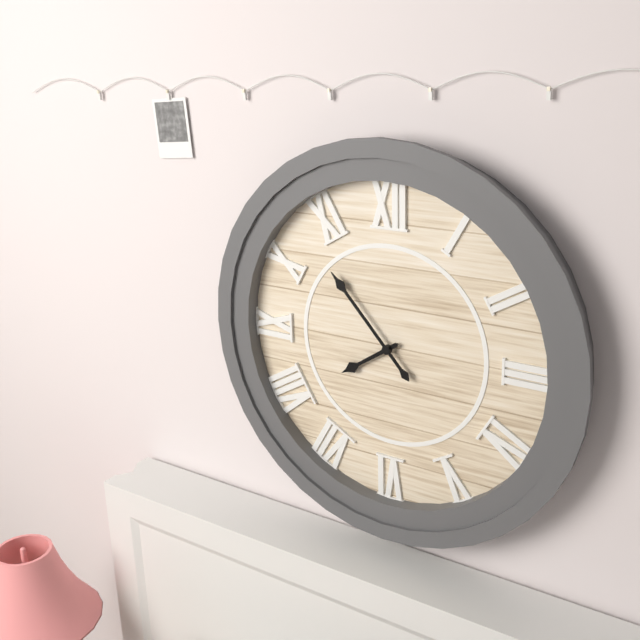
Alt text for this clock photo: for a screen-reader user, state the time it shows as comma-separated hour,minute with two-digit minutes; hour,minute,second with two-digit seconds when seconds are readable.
7,53
